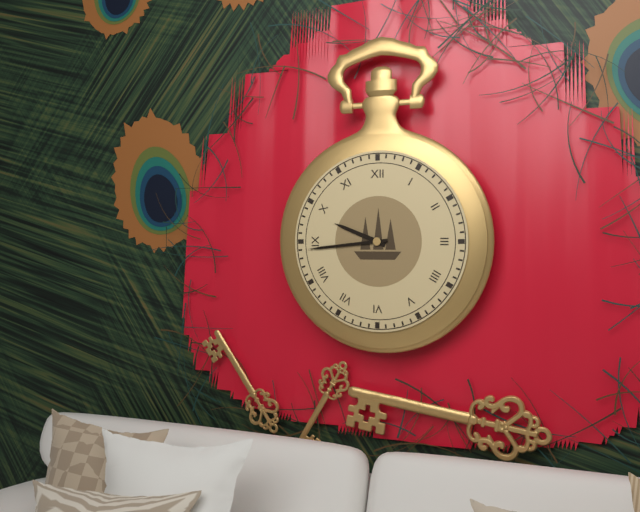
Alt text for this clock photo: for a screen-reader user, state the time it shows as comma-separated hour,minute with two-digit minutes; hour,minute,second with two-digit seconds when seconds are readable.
9,44
